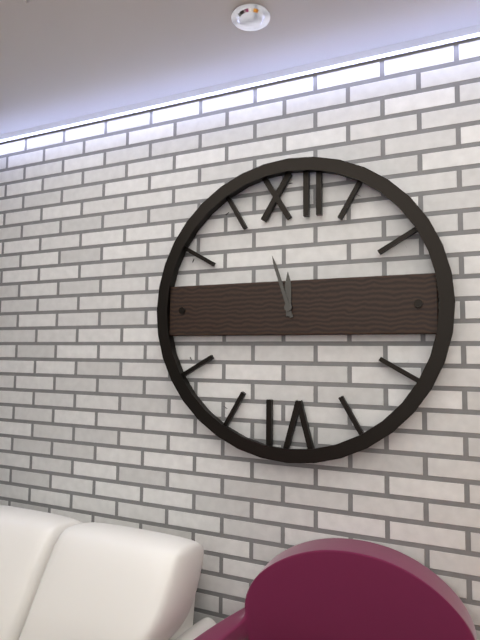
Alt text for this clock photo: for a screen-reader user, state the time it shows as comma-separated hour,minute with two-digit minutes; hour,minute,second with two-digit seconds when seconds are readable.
11,57
